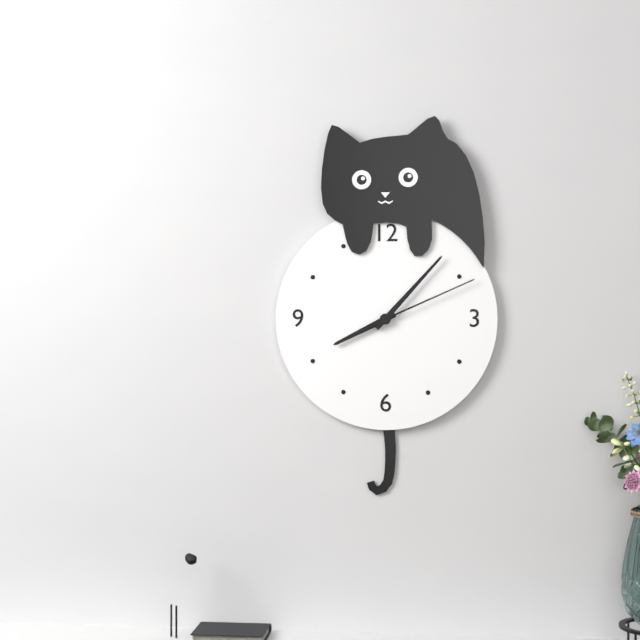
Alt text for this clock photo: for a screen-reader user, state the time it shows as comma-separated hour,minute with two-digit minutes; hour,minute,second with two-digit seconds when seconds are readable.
8,07,11
